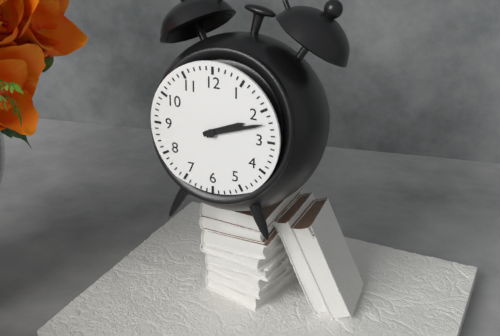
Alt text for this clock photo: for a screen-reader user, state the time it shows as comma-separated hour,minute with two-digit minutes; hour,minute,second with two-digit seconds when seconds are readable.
2,12
